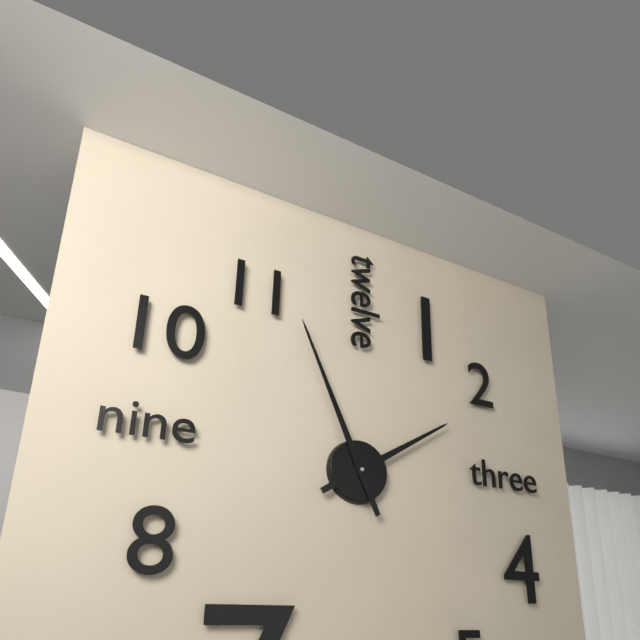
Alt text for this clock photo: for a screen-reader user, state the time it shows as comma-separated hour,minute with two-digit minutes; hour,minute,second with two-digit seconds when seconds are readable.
1,56
